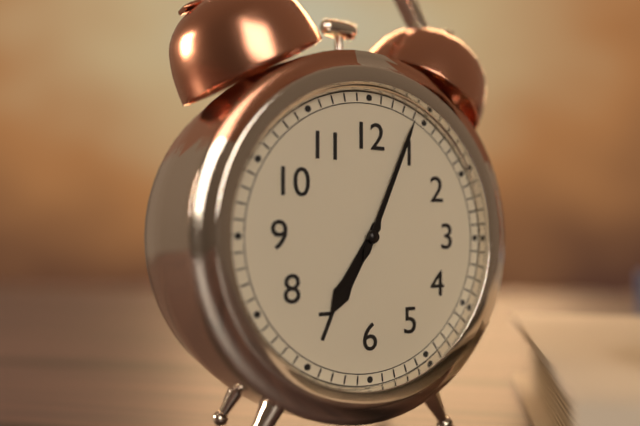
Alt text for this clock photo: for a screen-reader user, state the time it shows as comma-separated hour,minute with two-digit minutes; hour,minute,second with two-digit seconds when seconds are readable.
7,04
